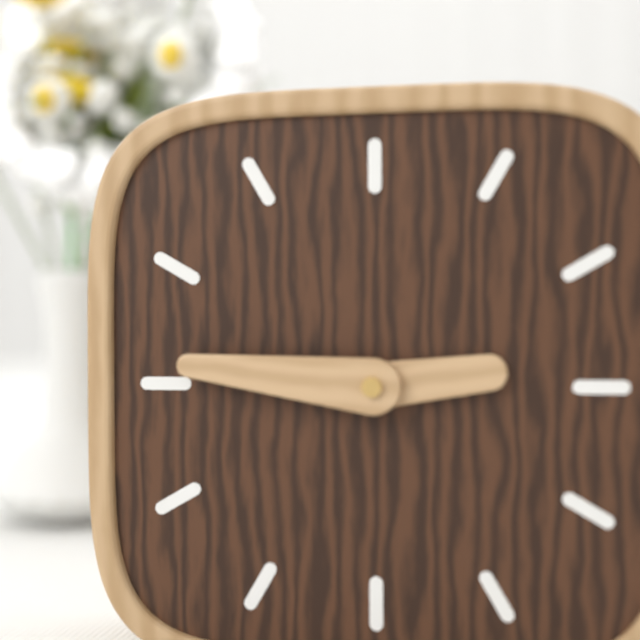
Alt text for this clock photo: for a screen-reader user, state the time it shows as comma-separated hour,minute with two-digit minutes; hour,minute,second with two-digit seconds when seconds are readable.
2,46
